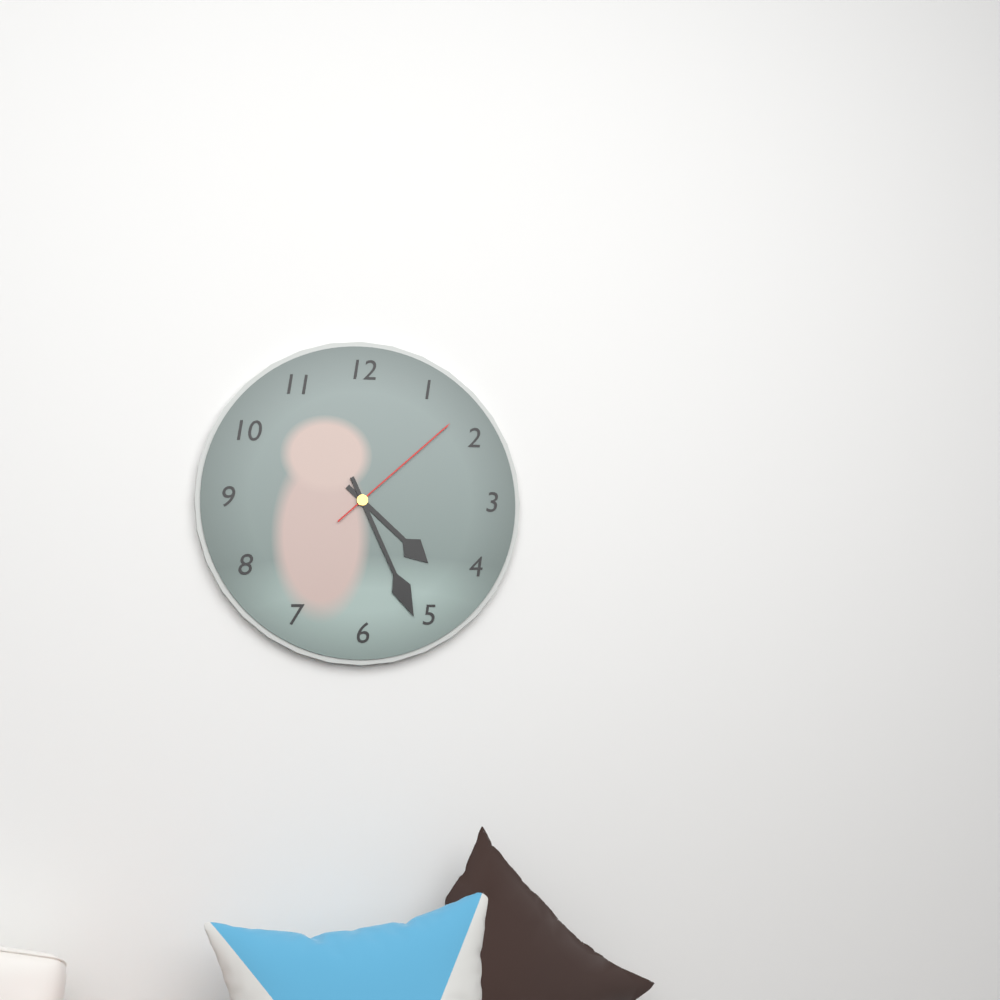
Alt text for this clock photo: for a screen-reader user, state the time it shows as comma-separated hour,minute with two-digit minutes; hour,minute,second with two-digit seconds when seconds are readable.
4,26,08
